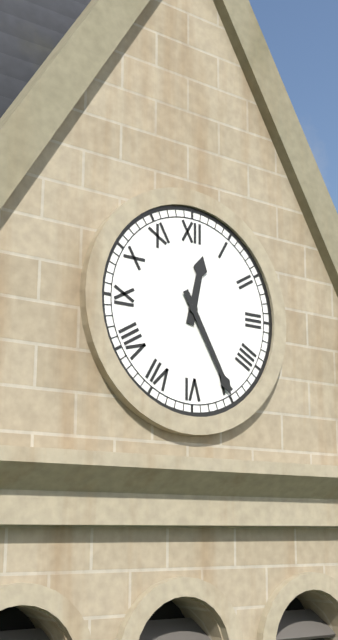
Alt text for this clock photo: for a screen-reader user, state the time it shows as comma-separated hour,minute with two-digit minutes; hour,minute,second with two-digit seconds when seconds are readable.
12,25
